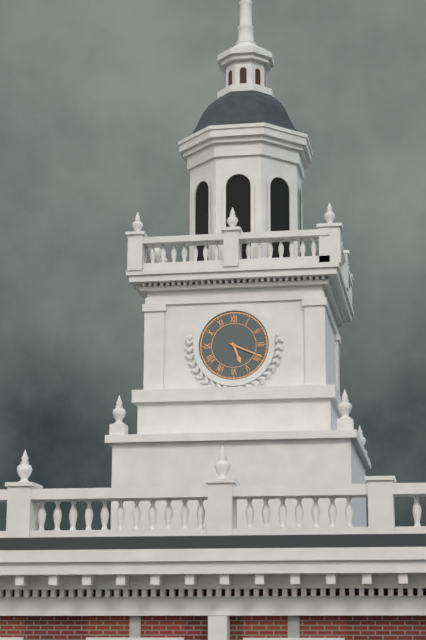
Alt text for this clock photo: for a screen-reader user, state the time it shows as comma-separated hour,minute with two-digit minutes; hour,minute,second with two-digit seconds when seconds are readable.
5,19
